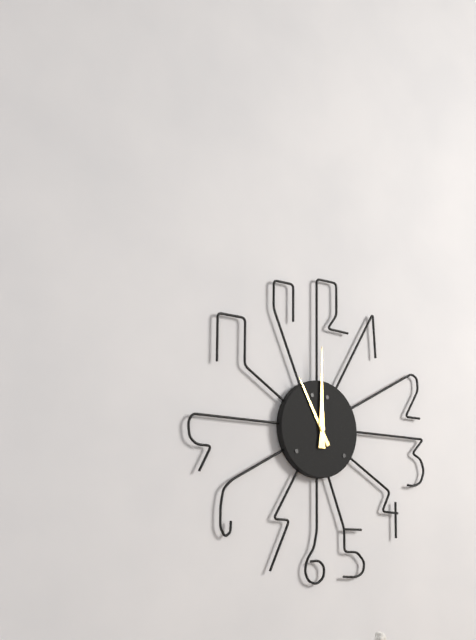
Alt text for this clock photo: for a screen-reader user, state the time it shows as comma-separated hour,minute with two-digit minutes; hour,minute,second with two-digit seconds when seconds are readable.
11,00
